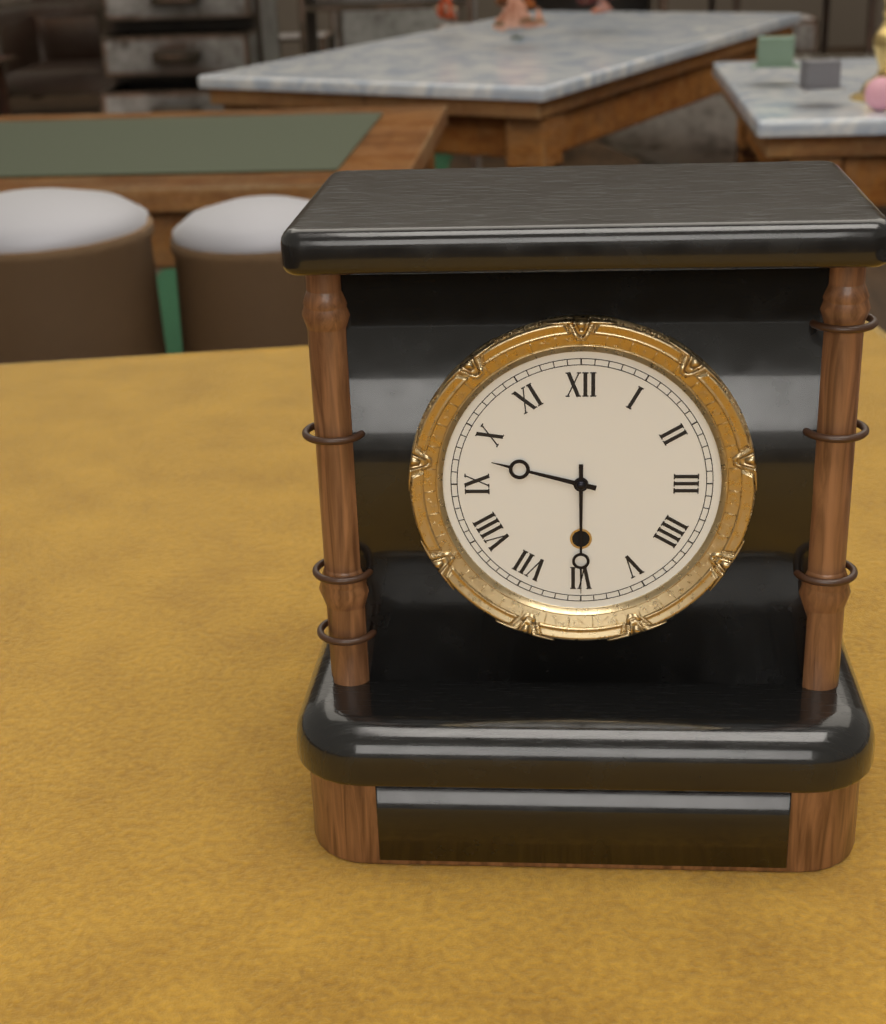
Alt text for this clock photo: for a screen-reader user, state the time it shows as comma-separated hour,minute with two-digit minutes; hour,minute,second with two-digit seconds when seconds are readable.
9,30
